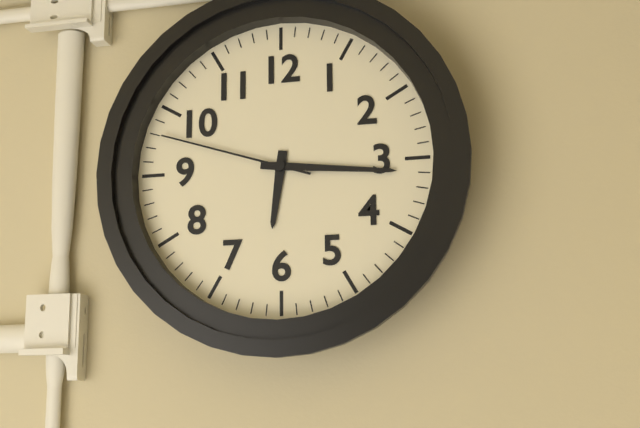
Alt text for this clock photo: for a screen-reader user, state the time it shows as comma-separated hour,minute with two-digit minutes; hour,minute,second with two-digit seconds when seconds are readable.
6,16,48
